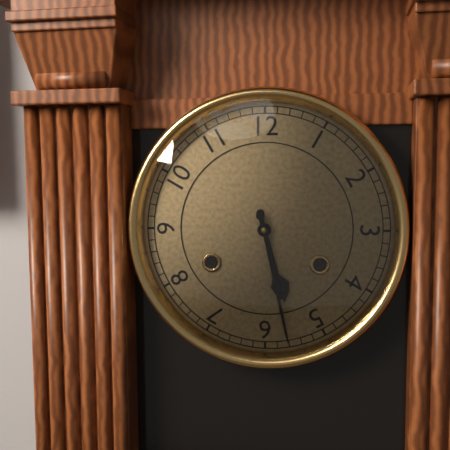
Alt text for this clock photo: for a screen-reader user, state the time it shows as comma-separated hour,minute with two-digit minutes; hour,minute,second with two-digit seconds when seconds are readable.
5,28
